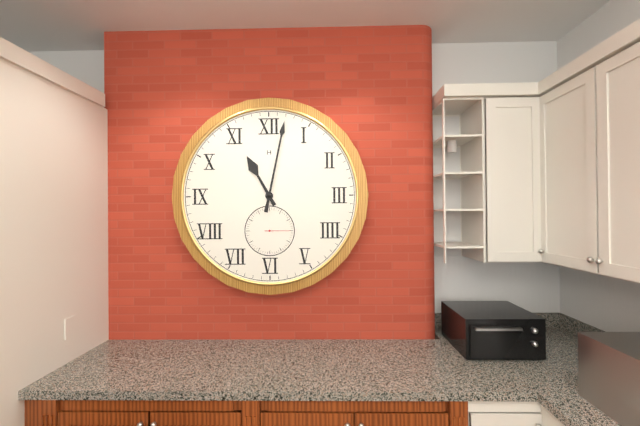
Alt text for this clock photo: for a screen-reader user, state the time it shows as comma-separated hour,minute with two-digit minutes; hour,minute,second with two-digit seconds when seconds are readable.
11,02
